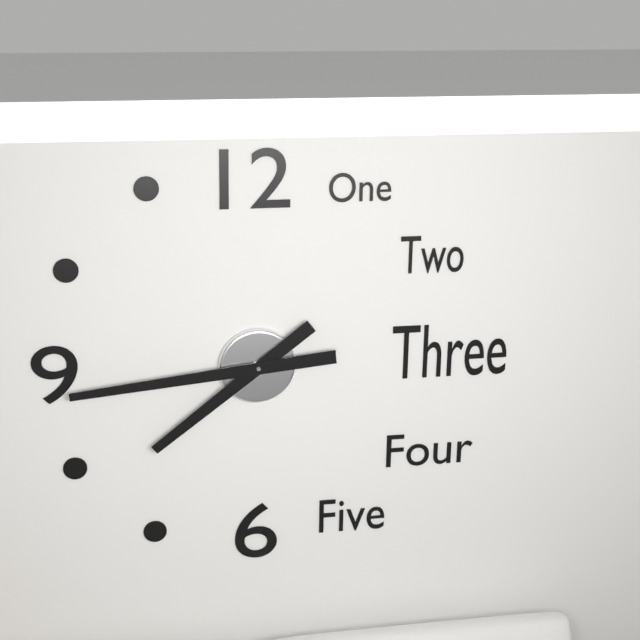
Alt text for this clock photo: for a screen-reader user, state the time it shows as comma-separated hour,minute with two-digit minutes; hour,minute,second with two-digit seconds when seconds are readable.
7,44
